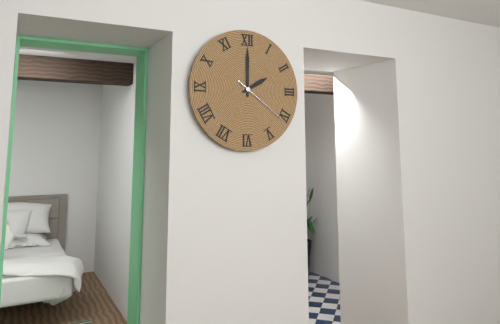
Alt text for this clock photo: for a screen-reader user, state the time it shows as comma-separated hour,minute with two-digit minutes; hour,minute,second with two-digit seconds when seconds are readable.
2,00,21
